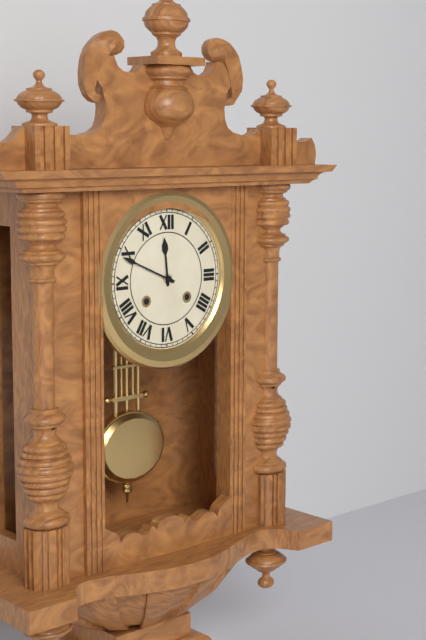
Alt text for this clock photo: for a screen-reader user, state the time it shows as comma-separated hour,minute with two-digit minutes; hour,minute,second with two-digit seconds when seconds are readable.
11,49
